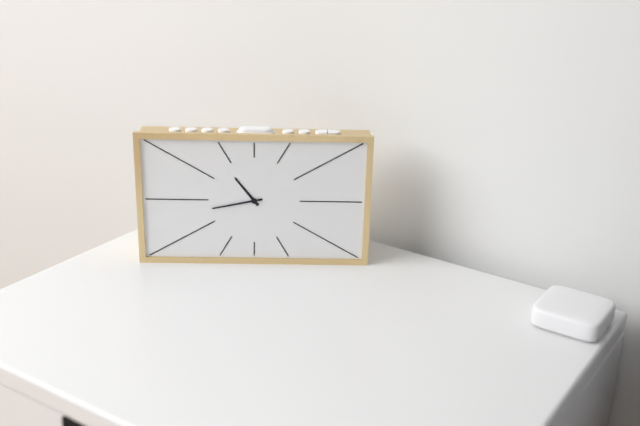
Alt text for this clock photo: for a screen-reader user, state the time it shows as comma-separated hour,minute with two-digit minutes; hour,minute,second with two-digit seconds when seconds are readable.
10,43
